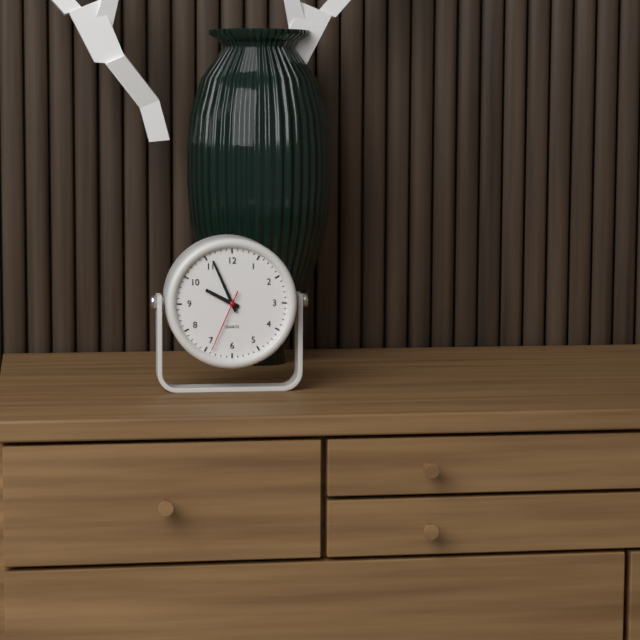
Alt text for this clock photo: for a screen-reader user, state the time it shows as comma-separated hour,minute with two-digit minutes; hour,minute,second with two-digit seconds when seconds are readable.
9,56,34
